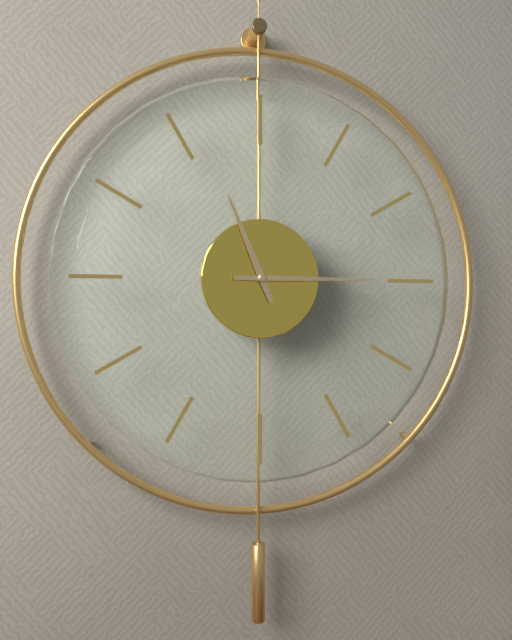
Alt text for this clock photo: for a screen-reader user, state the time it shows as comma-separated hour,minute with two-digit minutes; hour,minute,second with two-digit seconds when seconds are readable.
11,15
